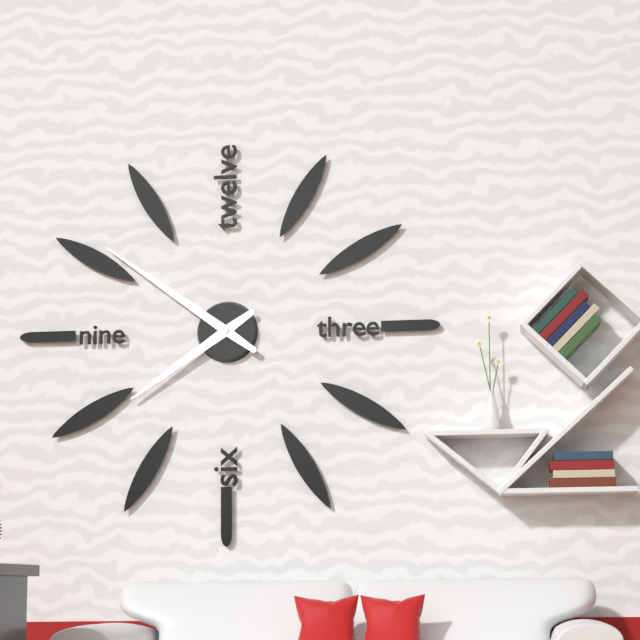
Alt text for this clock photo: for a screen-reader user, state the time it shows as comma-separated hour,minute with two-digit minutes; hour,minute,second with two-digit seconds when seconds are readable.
7,51
